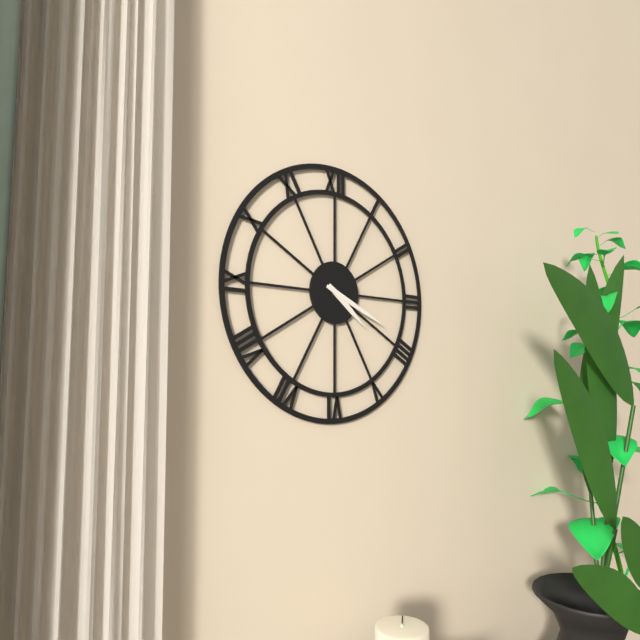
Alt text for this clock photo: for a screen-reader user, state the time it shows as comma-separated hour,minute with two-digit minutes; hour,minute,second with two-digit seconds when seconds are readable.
4,19
